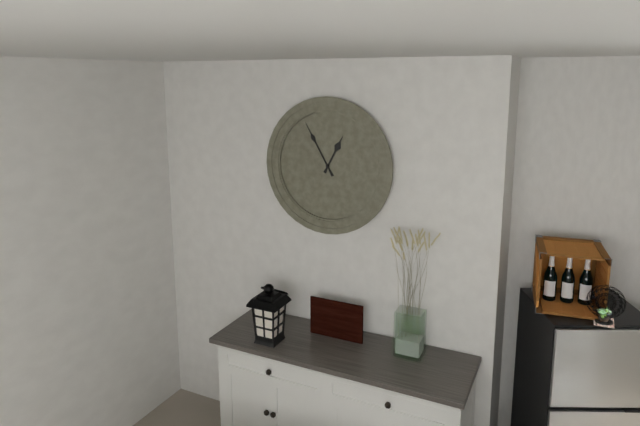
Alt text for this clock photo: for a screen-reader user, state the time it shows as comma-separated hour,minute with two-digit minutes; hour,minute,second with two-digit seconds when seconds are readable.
12,55
